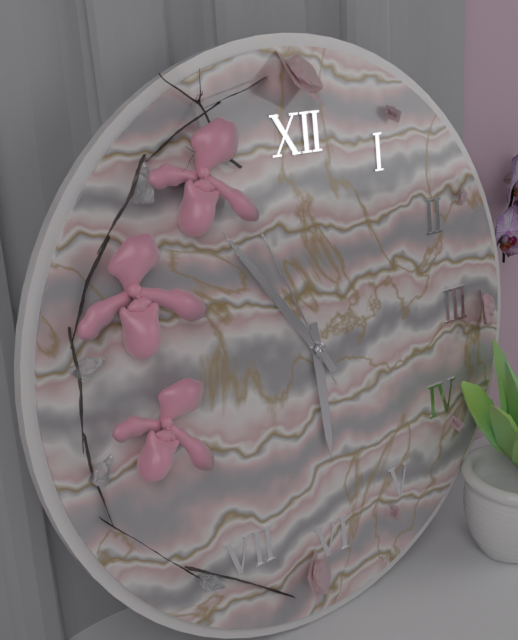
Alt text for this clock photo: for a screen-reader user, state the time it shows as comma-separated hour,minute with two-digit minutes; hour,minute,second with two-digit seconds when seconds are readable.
5,54,56
